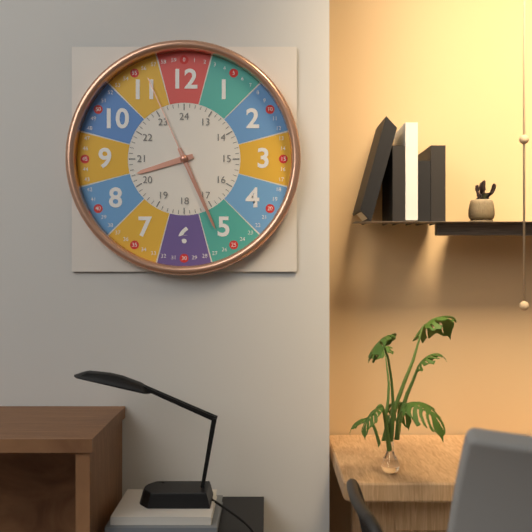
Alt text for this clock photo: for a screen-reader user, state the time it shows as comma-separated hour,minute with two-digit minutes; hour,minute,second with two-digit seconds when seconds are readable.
8,26,56
